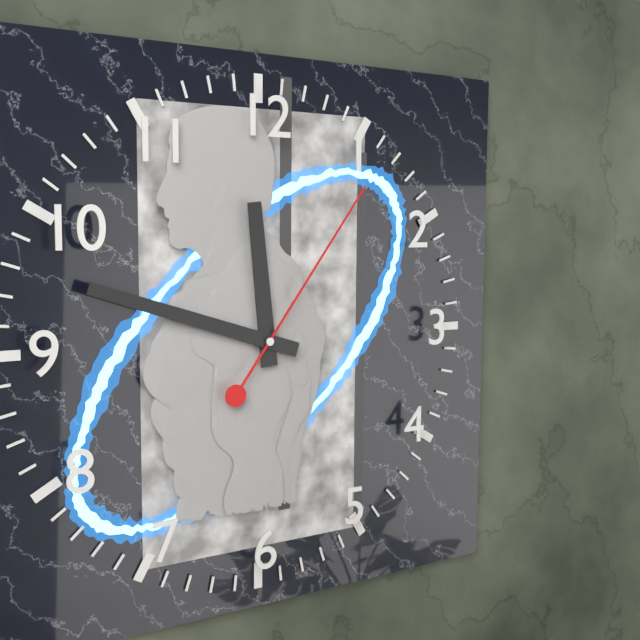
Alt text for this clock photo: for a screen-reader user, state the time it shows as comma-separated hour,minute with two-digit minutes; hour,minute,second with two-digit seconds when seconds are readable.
11,48,06
